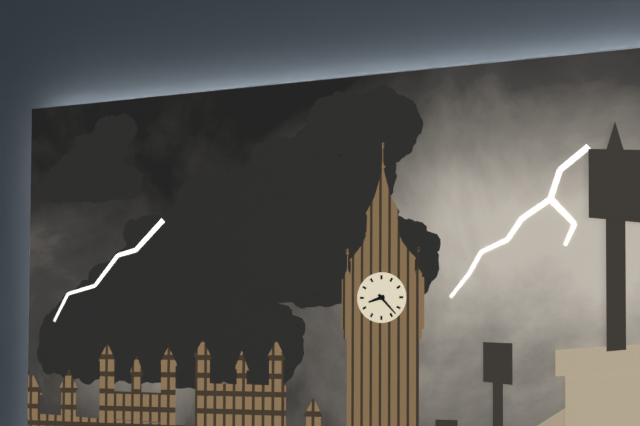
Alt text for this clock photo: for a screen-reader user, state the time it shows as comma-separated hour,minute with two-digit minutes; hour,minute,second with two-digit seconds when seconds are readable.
8,23
